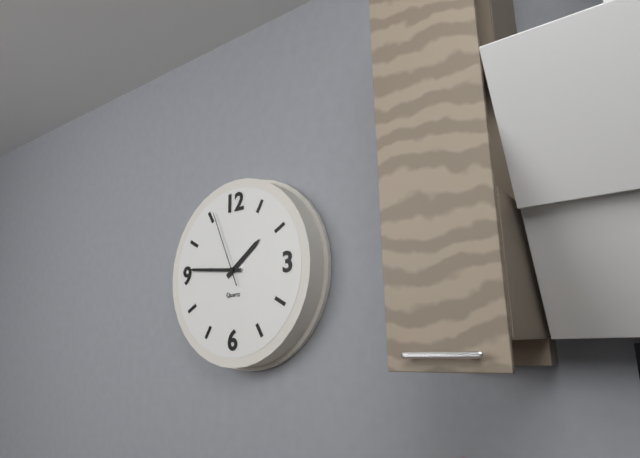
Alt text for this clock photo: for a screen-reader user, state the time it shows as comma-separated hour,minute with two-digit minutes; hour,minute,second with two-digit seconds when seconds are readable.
1,46,56
